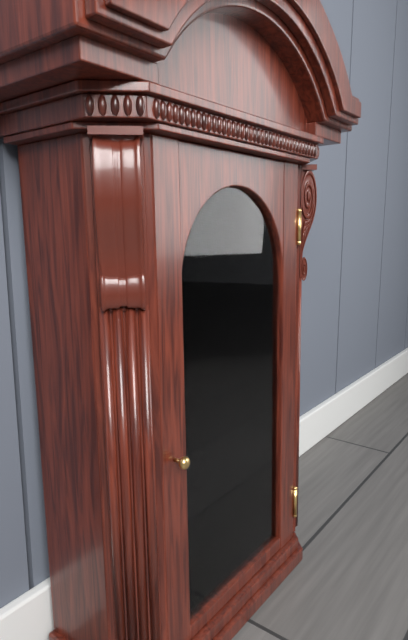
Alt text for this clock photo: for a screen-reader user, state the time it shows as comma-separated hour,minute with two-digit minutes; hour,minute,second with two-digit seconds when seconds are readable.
6,05
